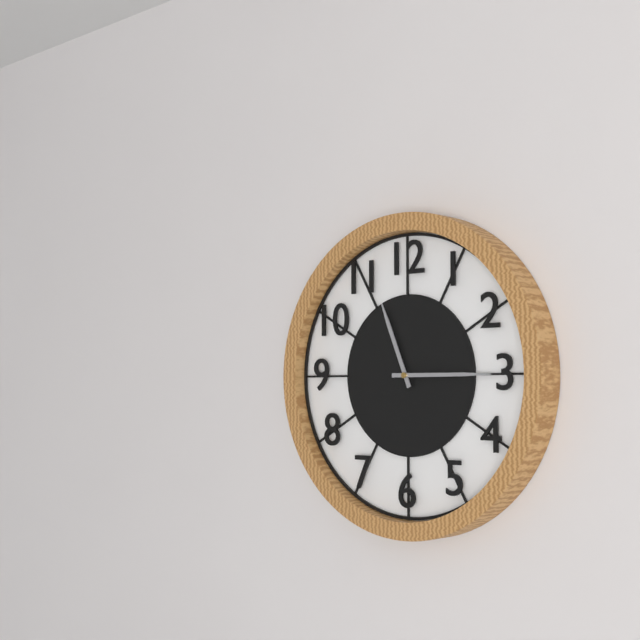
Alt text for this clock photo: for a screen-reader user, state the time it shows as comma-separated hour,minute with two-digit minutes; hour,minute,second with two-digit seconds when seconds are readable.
11,15
